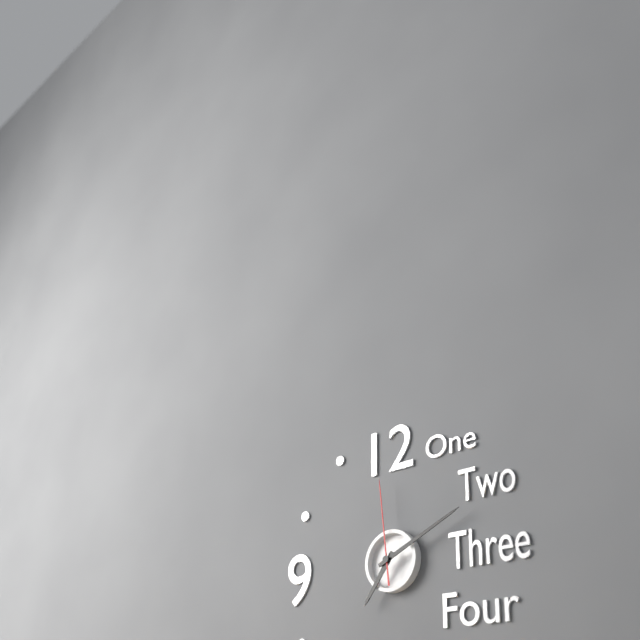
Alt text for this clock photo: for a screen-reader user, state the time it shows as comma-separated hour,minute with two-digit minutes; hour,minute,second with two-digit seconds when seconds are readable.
7,11,59
